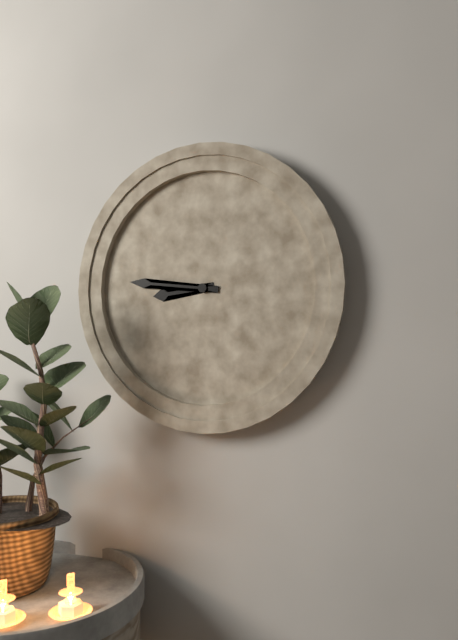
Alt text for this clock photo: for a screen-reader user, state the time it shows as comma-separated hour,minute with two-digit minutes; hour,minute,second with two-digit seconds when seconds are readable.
8,46
